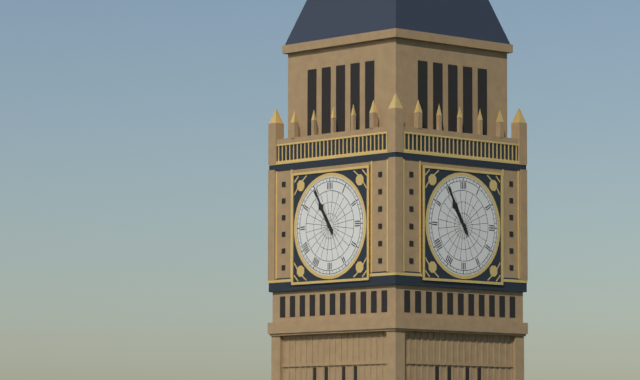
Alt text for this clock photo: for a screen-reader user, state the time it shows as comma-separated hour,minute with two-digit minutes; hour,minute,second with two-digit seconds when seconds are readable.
10,55
